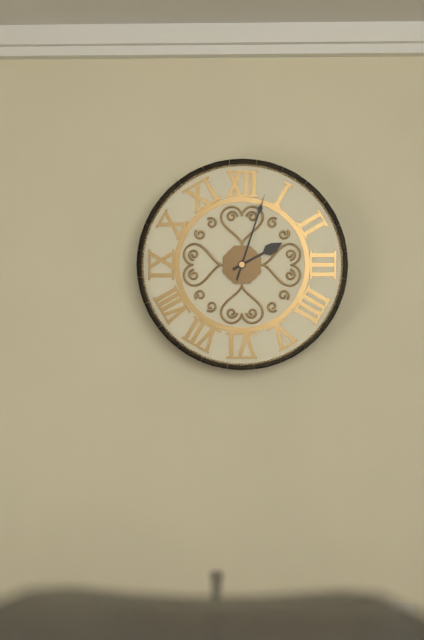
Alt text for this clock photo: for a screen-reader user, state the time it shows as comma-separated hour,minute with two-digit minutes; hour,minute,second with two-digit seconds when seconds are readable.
2,03
